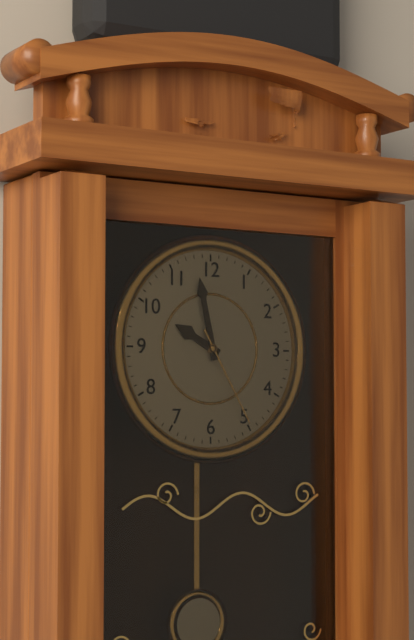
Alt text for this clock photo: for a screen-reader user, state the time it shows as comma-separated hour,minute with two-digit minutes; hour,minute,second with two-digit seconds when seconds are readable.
9,58,25
